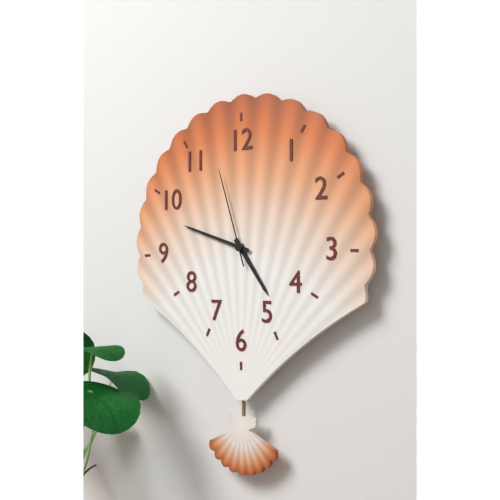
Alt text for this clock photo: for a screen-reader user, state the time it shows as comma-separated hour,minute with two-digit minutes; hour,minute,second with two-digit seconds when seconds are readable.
4,48,57
